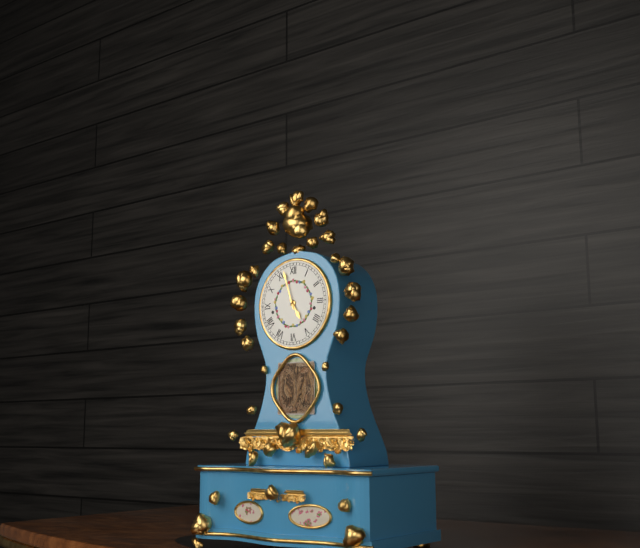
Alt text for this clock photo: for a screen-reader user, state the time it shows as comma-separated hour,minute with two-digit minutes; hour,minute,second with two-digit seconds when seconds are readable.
4,57
